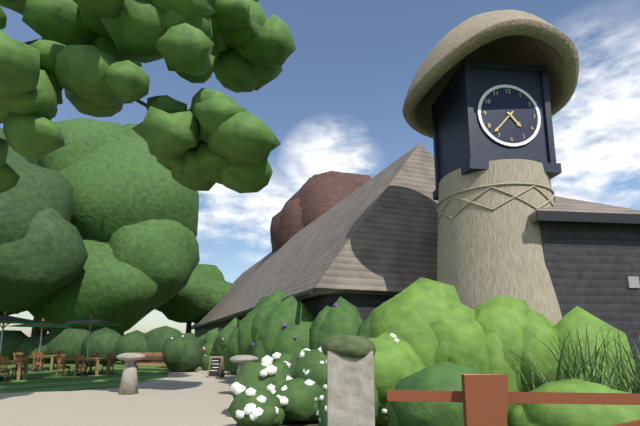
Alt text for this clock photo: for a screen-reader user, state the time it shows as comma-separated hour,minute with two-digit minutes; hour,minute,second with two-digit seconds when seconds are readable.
4,37
